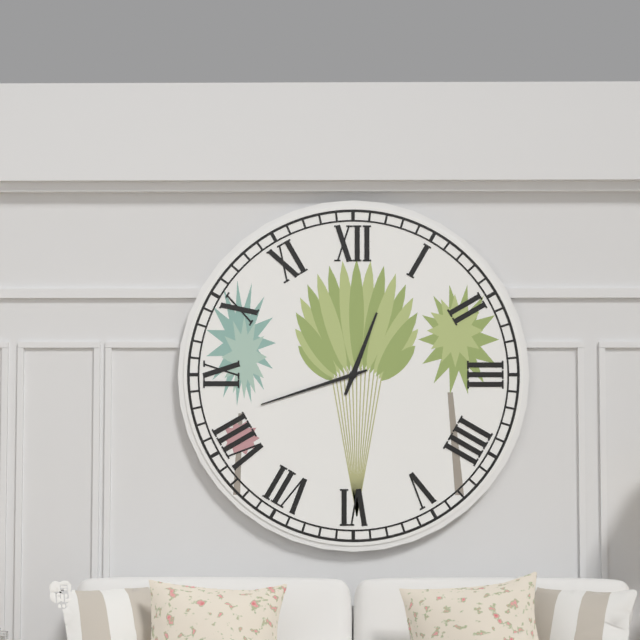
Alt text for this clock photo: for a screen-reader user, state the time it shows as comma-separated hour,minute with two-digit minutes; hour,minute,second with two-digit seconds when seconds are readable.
12,42
